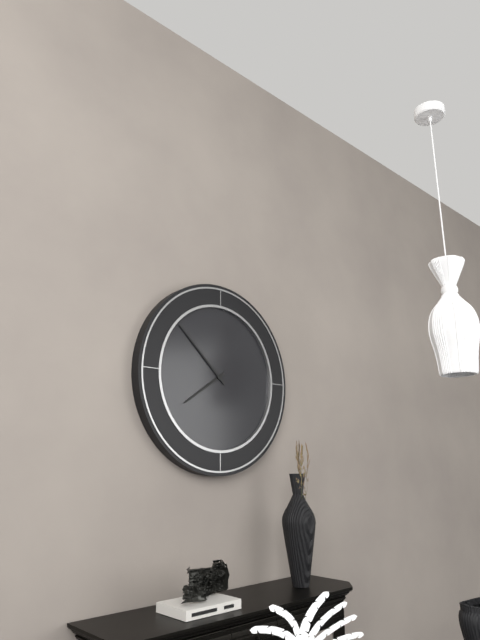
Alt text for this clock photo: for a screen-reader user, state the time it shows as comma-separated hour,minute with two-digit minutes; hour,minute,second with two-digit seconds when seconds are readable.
7,52
